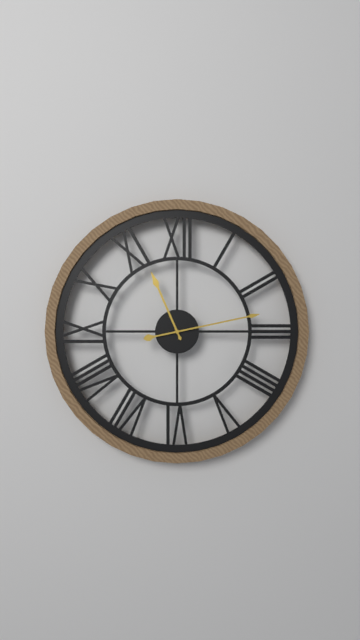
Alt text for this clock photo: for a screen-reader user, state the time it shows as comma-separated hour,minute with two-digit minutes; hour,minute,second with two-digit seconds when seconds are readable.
11,13
